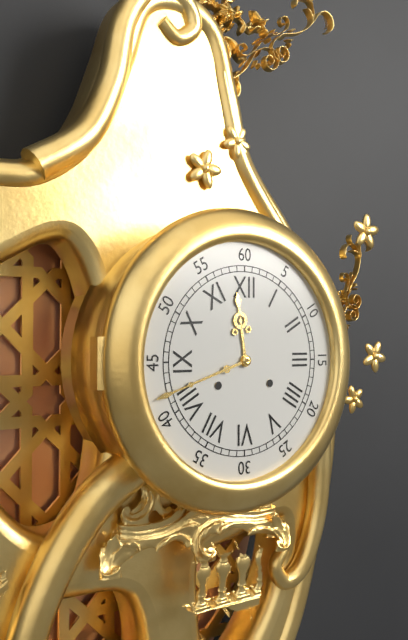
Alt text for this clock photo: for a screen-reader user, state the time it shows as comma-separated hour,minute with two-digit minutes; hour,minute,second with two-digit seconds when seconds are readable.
11,42
